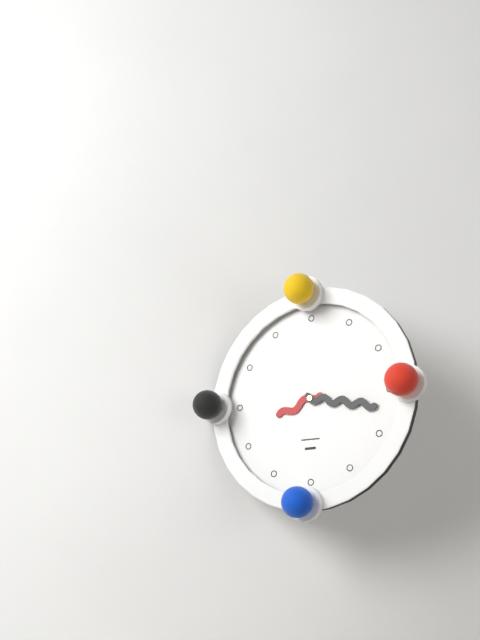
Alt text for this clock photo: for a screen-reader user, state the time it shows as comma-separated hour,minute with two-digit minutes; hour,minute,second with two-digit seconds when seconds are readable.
8,17
